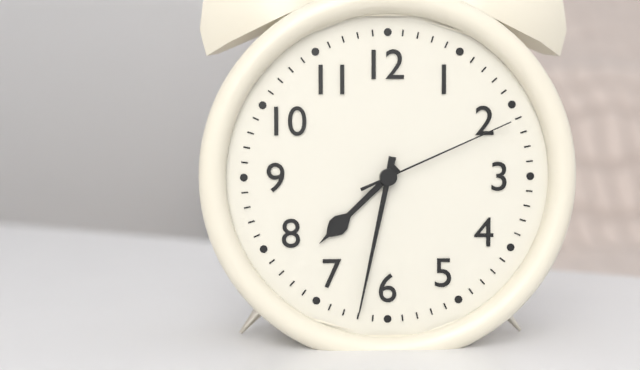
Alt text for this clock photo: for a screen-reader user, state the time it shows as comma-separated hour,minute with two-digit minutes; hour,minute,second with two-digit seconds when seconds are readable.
7,32,11
